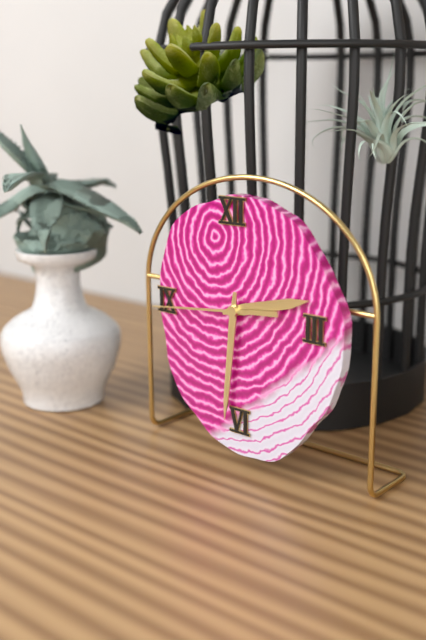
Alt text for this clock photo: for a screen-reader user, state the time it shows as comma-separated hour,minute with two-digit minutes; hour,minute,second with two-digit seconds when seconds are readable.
2,31,44
